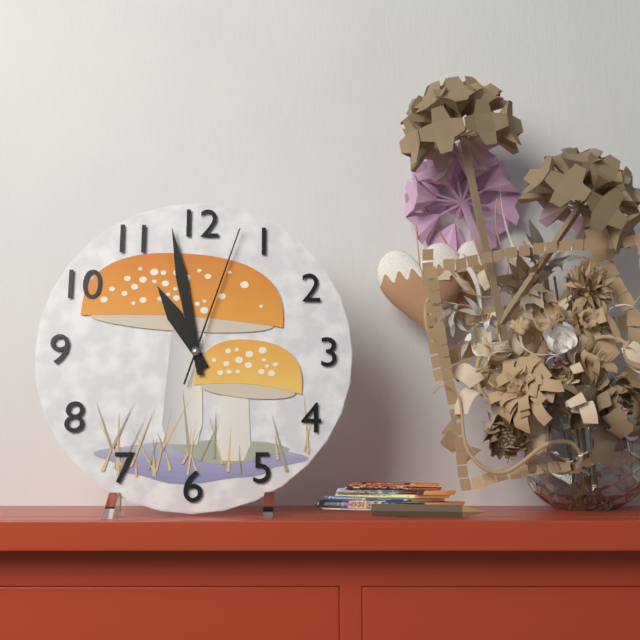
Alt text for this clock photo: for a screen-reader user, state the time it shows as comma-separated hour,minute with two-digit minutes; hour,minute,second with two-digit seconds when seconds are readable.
10,58,03
